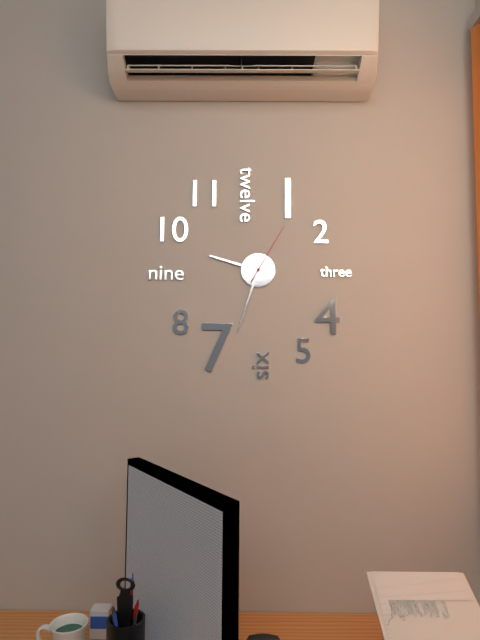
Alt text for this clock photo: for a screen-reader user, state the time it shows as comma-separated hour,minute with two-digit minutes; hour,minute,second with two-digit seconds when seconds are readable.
9,33,05
